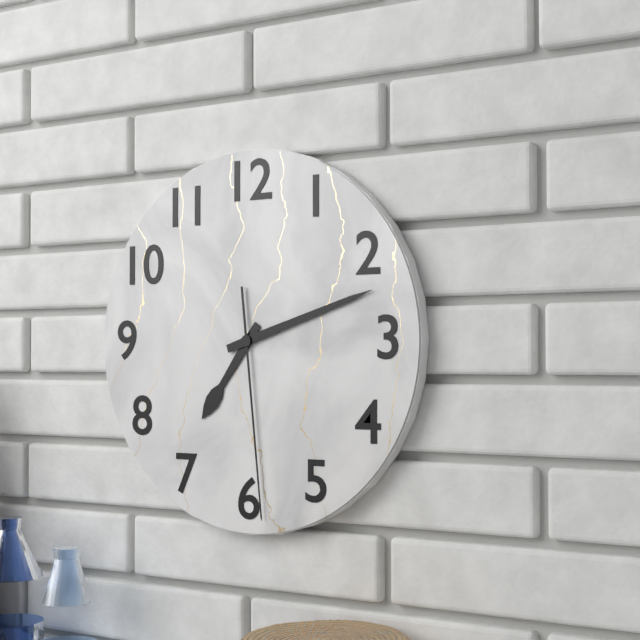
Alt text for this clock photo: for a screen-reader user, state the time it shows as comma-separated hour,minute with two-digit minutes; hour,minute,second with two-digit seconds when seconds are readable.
7,12,29
